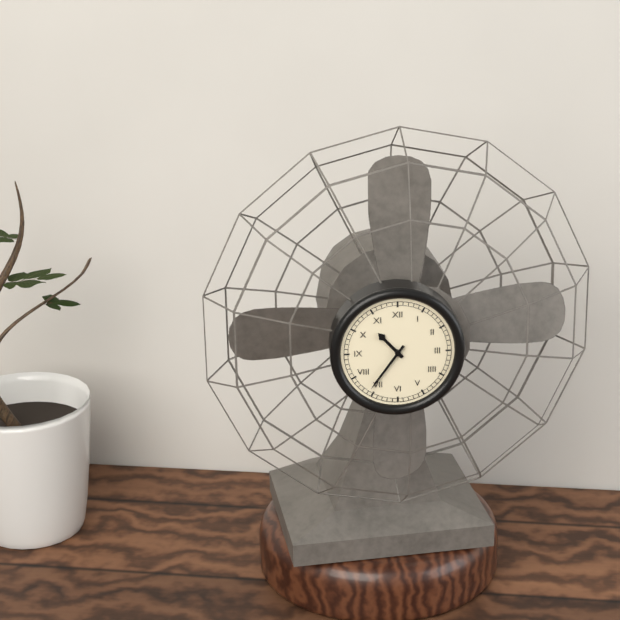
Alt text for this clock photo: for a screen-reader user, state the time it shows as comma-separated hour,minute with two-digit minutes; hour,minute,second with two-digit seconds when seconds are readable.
10,36
